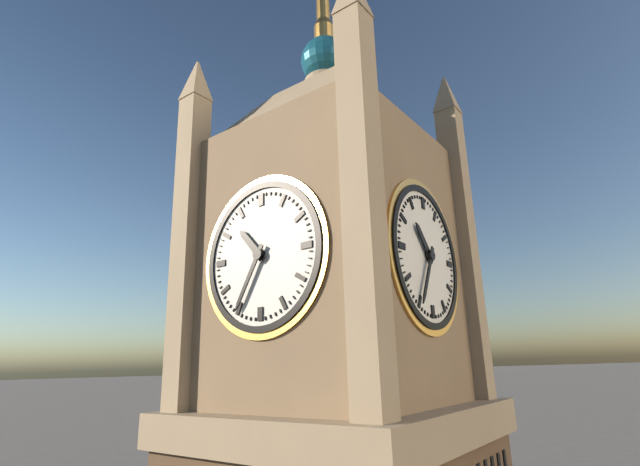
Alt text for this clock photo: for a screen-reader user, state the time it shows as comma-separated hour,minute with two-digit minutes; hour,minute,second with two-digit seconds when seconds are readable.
10,35
